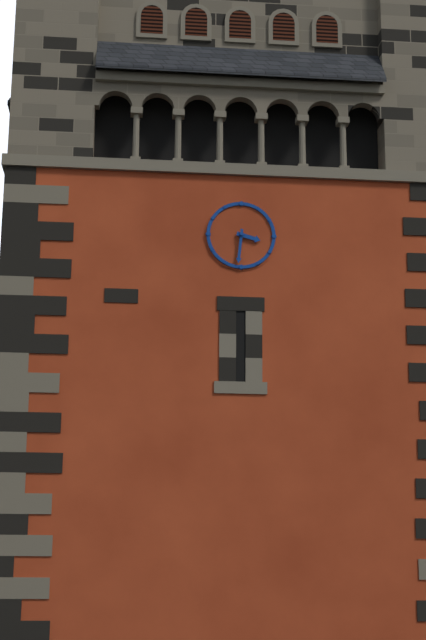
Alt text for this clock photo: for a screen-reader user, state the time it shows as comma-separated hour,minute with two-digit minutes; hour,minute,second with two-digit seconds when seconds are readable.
3,31
